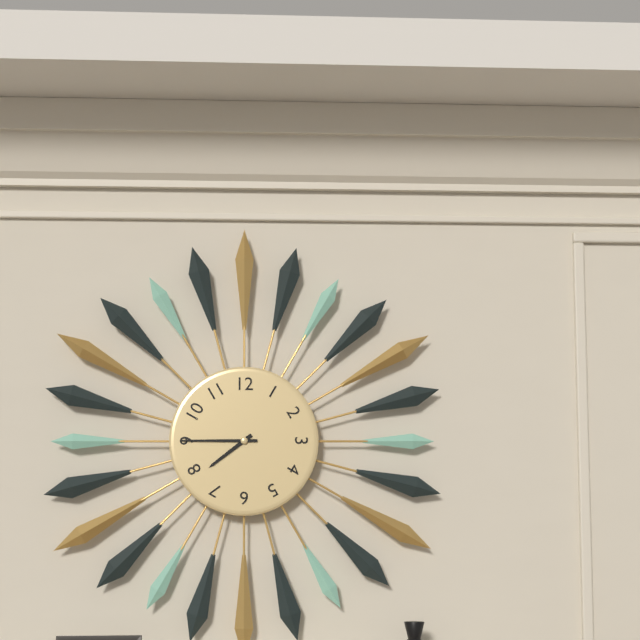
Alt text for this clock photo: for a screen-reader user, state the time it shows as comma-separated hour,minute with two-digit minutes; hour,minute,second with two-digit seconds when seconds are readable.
7,45
